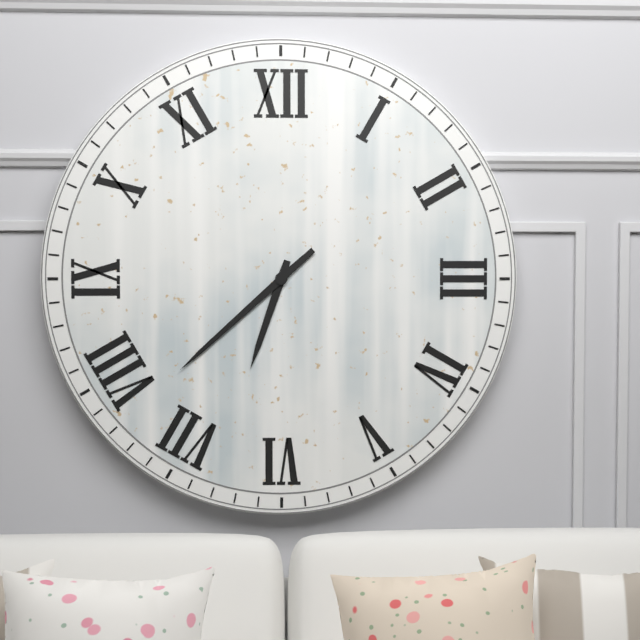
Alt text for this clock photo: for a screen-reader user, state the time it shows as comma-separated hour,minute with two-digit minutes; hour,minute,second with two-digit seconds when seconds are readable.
6,38
